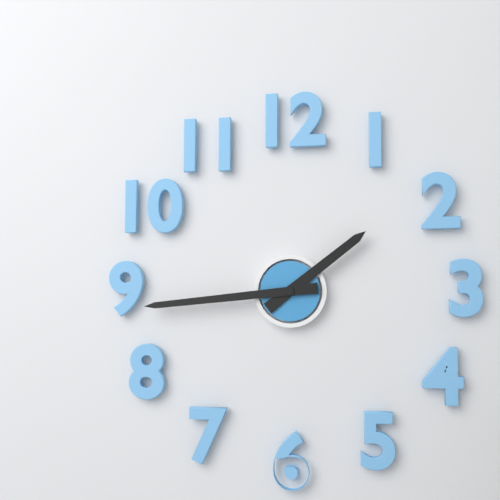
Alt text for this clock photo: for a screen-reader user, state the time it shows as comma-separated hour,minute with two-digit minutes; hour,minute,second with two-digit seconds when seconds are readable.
1,44
